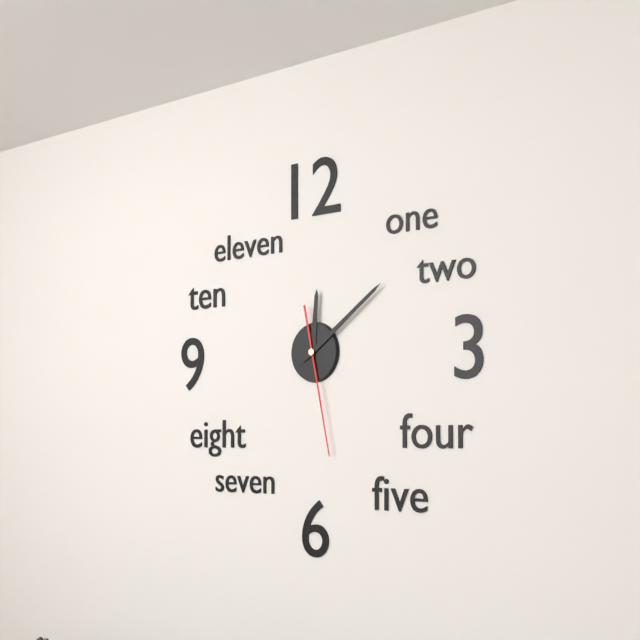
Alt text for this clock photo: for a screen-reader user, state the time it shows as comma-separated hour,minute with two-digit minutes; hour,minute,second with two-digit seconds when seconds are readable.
12,09,28
